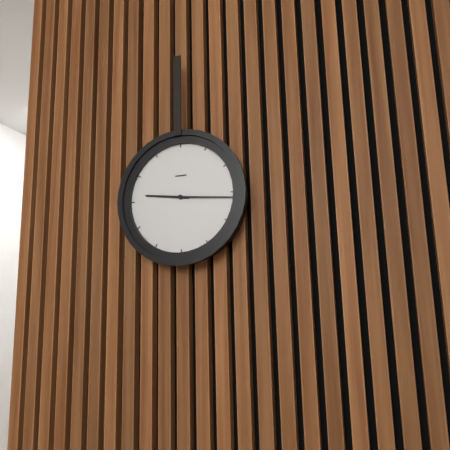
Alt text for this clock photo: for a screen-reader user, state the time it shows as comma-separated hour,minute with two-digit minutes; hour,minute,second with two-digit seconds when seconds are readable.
9,16
